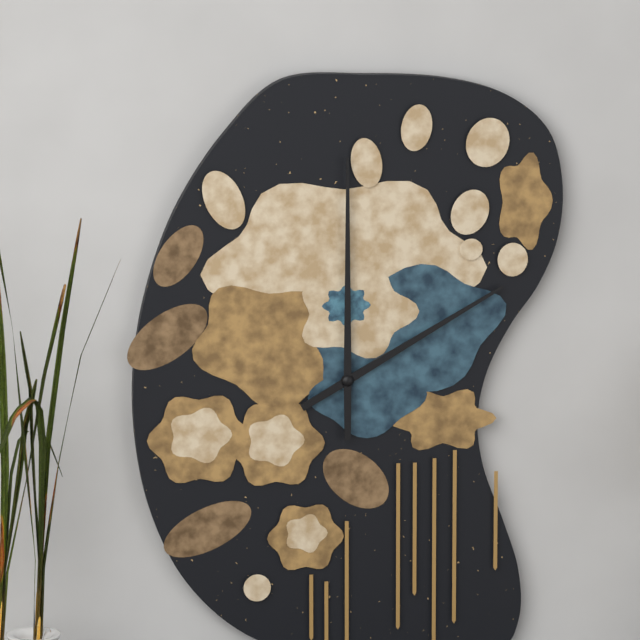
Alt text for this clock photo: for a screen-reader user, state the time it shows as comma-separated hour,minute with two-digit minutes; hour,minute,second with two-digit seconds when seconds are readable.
2,00
